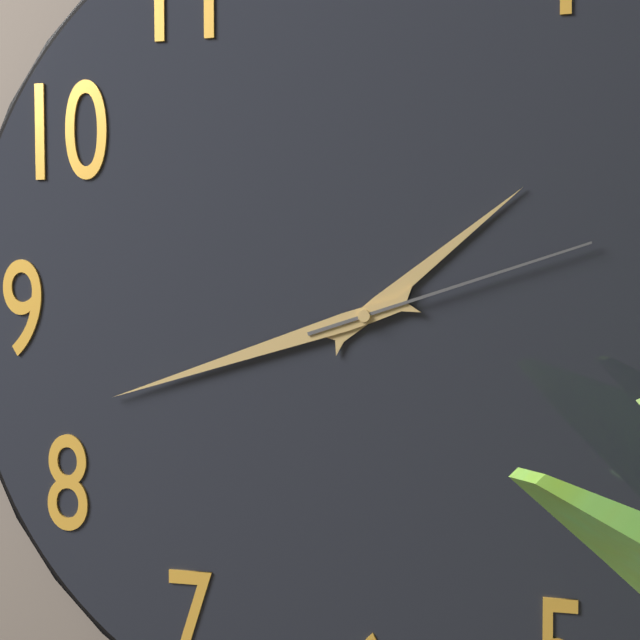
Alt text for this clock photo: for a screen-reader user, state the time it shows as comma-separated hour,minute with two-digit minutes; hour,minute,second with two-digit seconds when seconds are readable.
1,42,12
